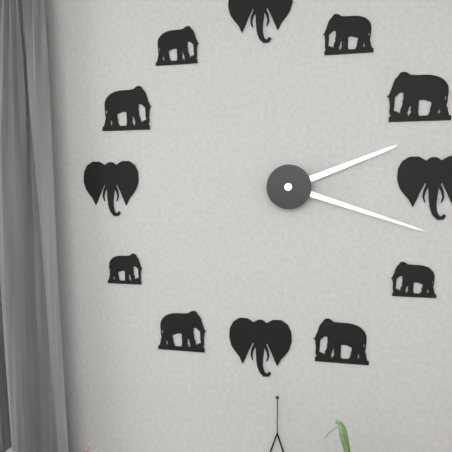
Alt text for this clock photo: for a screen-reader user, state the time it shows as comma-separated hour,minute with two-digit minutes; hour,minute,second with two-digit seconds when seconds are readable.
2,18
